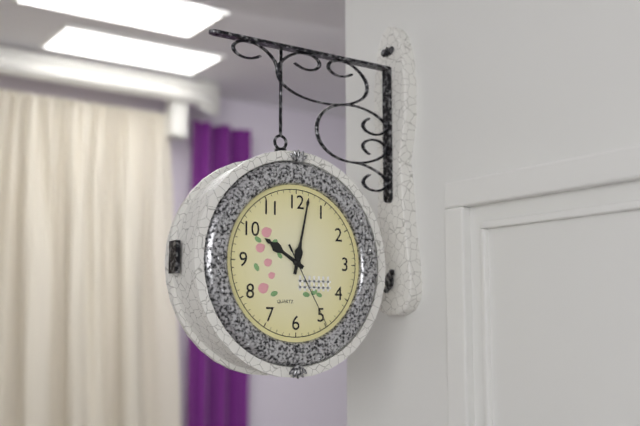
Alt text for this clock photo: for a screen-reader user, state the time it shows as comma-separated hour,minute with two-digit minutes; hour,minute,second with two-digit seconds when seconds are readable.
10,02,25
